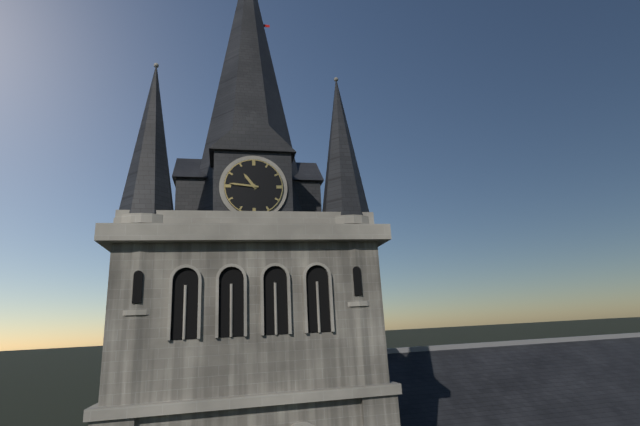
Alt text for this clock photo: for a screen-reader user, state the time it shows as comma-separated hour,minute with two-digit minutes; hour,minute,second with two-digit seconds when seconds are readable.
10,46
